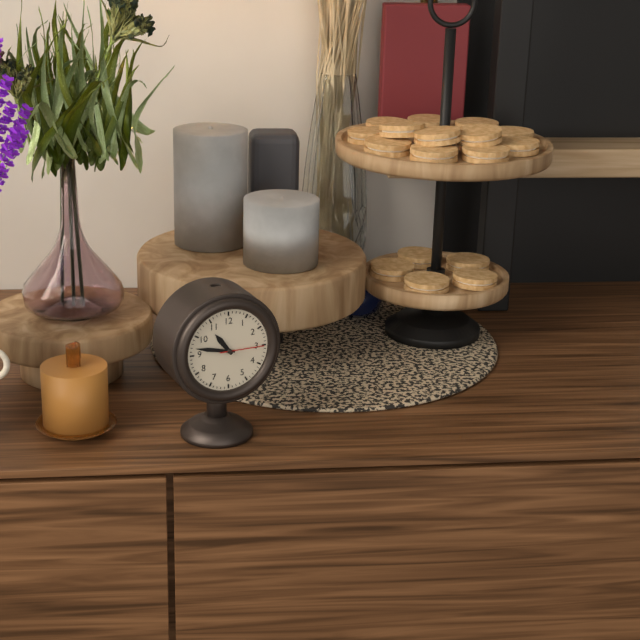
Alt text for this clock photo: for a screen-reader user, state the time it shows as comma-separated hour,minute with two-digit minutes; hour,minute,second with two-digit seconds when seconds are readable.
10,47
